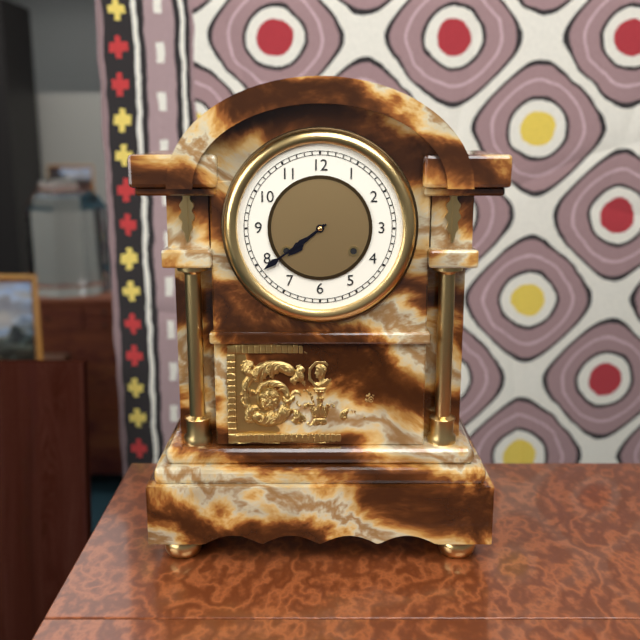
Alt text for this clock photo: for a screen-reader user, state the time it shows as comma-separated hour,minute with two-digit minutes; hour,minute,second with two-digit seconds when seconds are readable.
7,39
